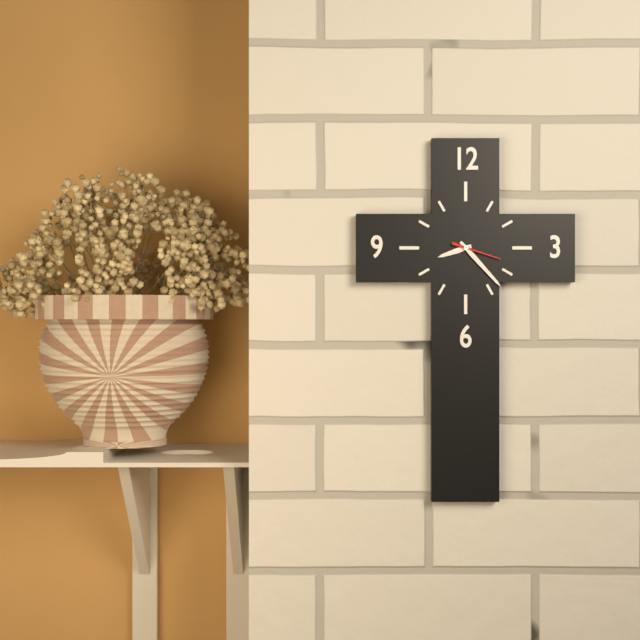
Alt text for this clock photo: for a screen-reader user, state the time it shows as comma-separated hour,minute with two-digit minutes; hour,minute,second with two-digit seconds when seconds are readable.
8,23
